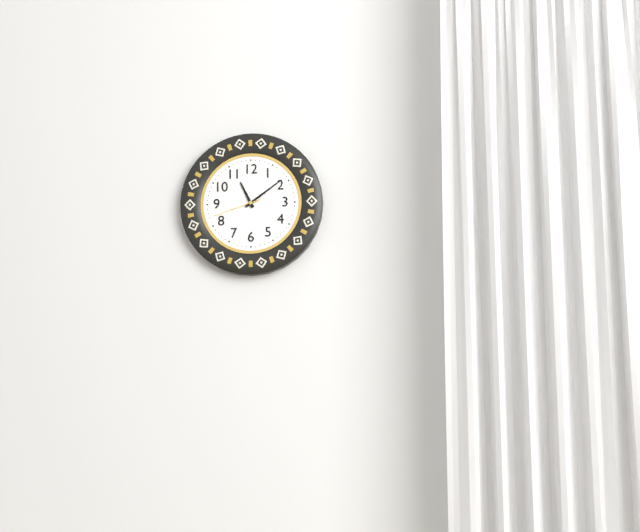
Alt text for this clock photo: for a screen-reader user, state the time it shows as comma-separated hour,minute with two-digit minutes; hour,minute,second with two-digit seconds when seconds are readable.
11,09,42
